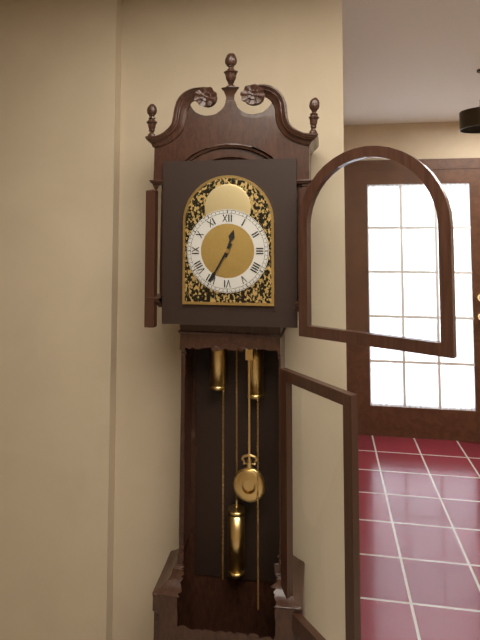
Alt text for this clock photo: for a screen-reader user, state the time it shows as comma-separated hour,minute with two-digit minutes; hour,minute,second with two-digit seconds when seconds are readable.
12,35
